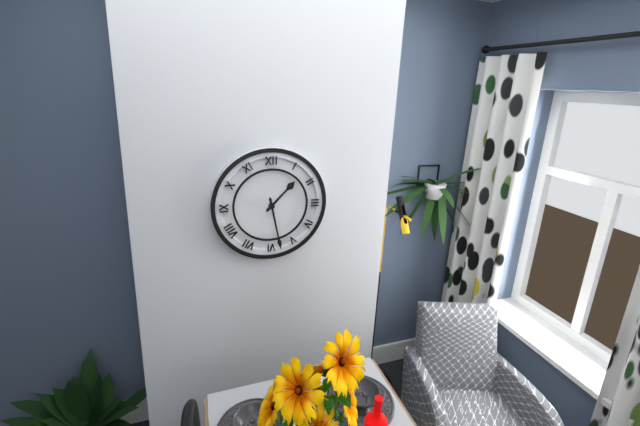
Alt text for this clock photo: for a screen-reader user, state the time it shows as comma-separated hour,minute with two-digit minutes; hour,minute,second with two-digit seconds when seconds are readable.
1,28
